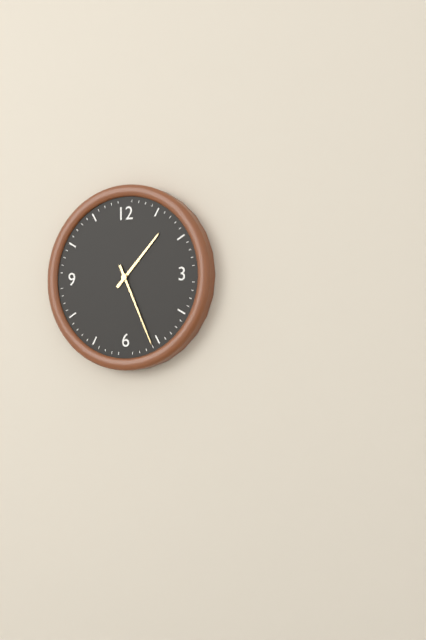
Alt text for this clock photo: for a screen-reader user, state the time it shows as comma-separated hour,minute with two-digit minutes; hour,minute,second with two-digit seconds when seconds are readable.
1,26
